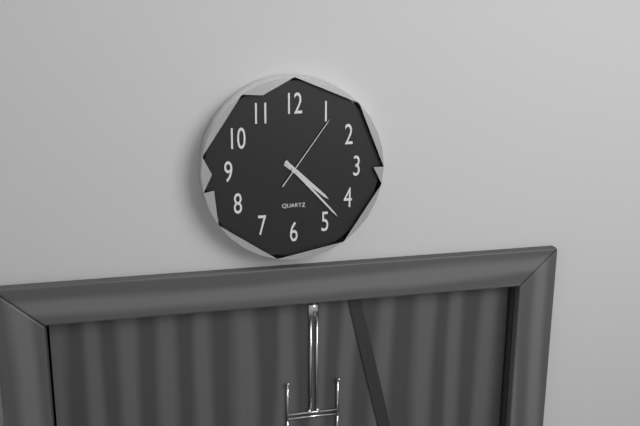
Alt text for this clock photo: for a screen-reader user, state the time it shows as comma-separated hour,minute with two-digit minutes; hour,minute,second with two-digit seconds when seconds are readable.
4,23,06
